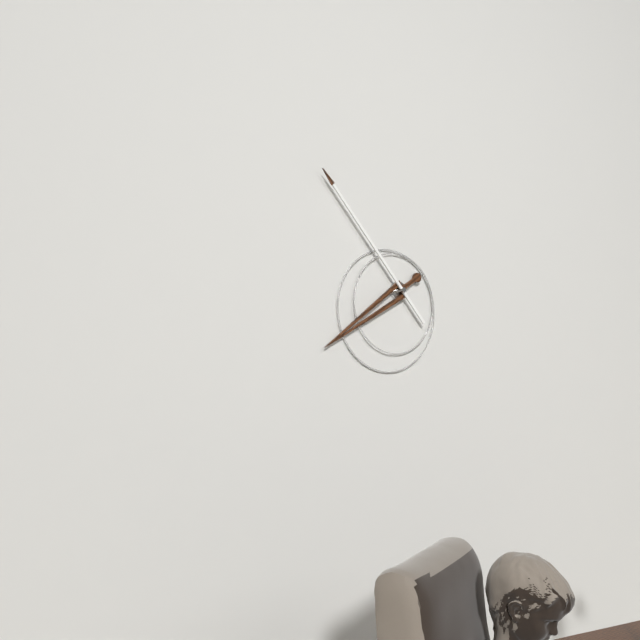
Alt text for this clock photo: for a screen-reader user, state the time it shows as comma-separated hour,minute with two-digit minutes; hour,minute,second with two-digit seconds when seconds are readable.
7,53
